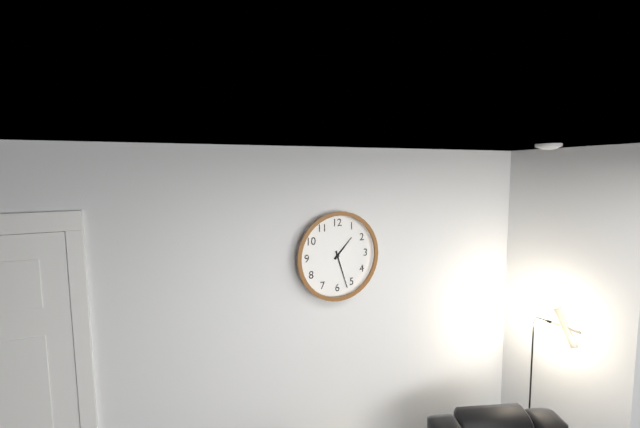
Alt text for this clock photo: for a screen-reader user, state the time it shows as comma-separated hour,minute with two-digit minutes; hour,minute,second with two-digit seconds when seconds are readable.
1,27
